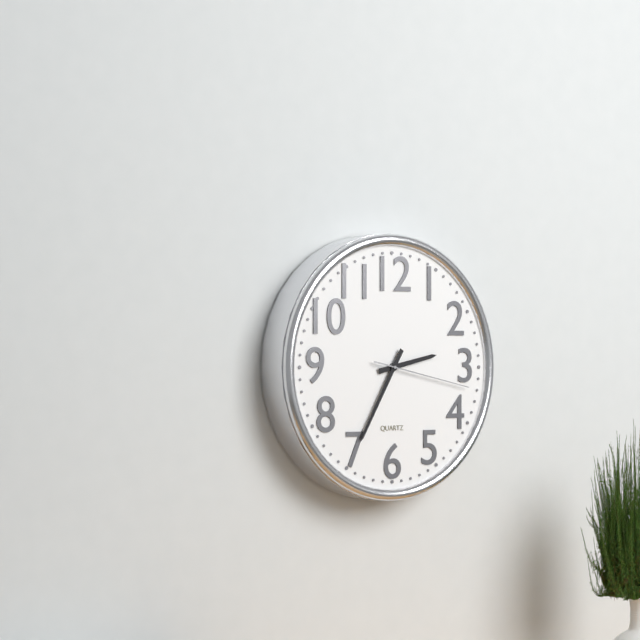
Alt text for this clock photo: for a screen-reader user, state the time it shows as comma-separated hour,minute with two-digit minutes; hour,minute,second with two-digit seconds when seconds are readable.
2,35,17
